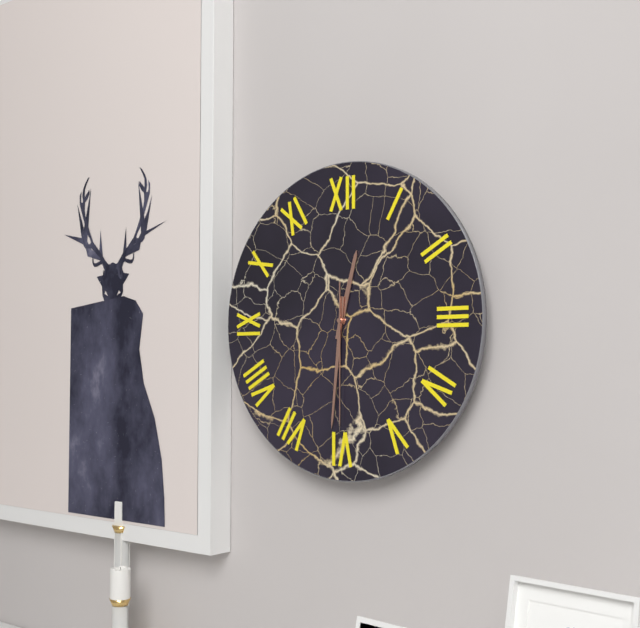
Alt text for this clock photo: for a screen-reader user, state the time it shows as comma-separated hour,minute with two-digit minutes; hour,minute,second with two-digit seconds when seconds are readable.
12,31,30
